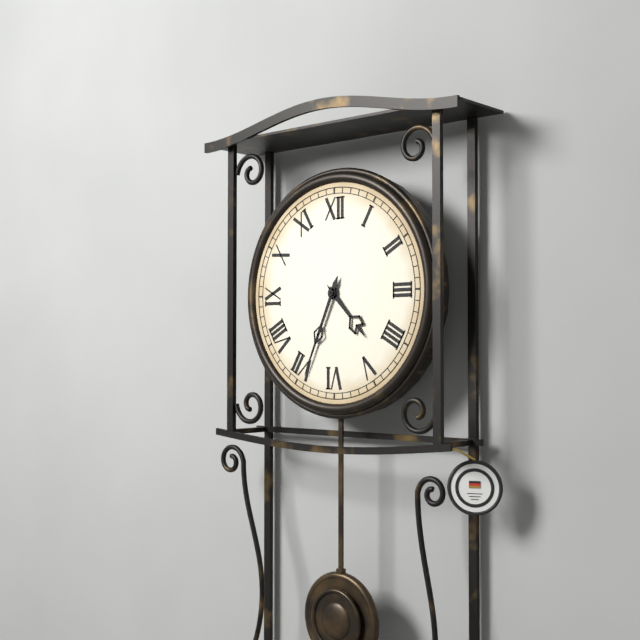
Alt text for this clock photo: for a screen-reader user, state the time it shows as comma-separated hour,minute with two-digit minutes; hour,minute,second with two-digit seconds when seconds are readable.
4,34
